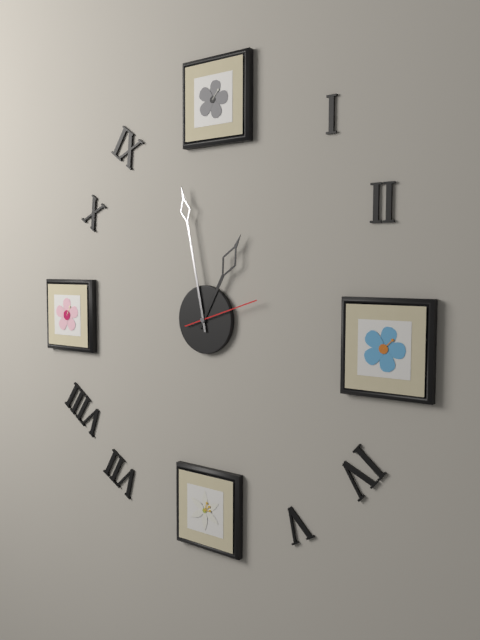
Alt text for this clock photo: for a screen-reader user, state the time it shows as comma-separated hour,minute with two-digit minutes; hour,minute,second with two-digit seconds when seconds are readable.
12,58,12
